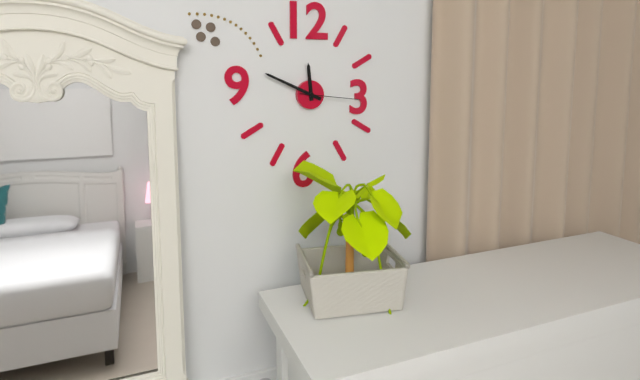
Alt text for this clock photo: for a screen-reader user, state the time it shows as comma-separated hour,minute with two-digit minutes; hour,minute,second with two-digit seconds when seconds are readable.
11,49,16
